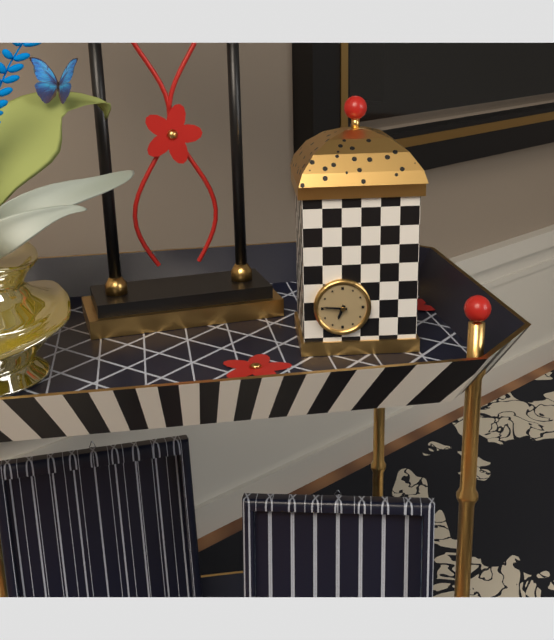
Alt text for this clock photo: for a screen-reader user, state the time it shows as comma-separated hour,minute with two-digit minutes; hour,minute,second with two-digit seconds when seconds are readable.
6,46
